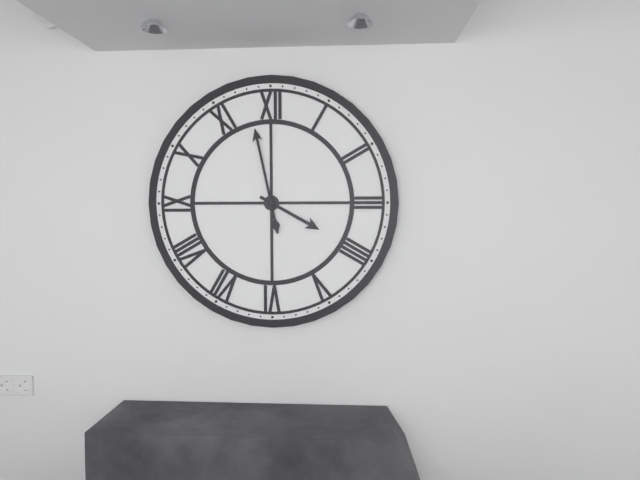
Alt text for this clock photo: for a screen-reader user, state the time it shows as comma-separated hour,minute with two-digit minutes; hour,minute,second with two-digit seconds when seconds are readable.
3,58
